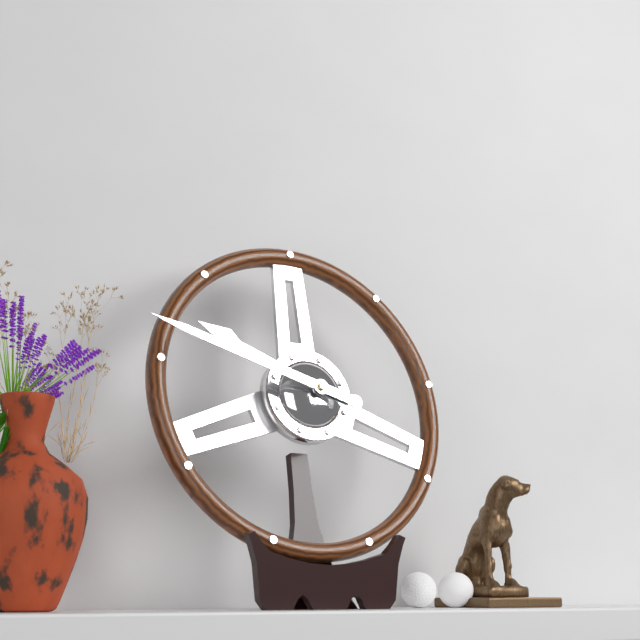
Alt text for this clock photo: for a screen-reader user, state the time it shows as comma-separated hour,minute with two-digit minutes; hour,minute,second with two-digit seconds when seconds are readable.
9,48
